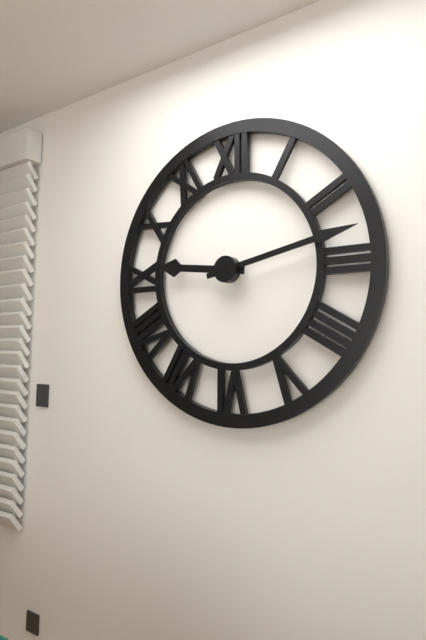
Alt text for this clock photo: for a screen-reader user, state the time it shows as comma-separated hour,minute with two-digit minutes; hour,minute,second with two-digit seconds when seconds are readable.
9,13
